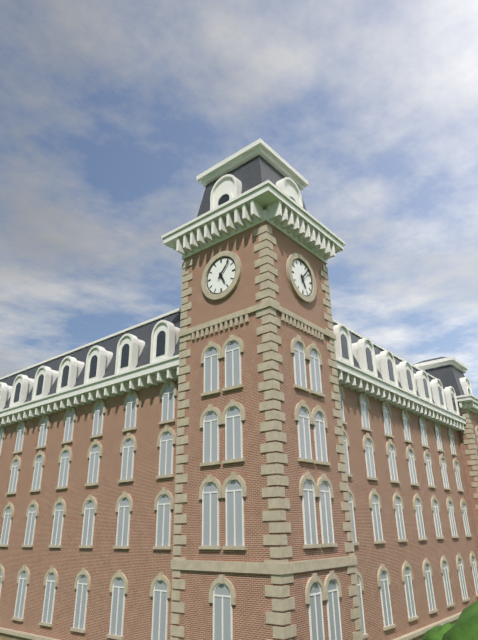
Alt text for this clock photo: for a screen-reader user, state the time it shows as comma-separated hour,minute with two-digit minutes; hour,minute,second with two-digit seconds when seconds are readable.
5,07
